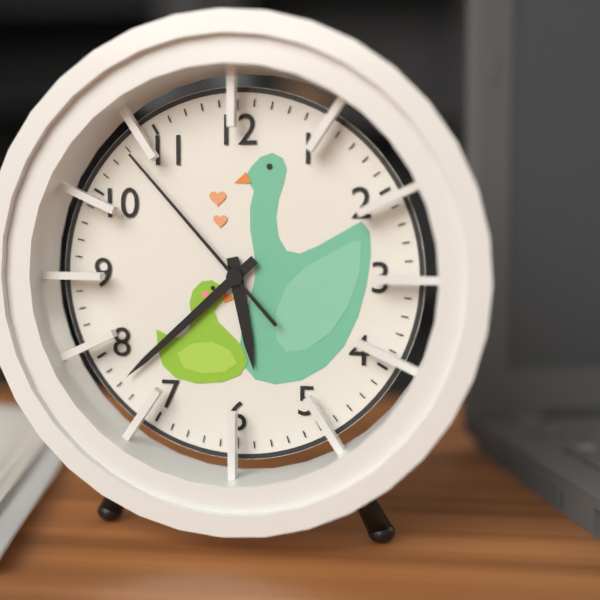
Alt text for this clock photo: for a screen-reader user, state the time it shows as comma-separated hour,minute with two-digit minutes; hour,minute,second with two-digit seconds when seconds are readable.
5,38,53
